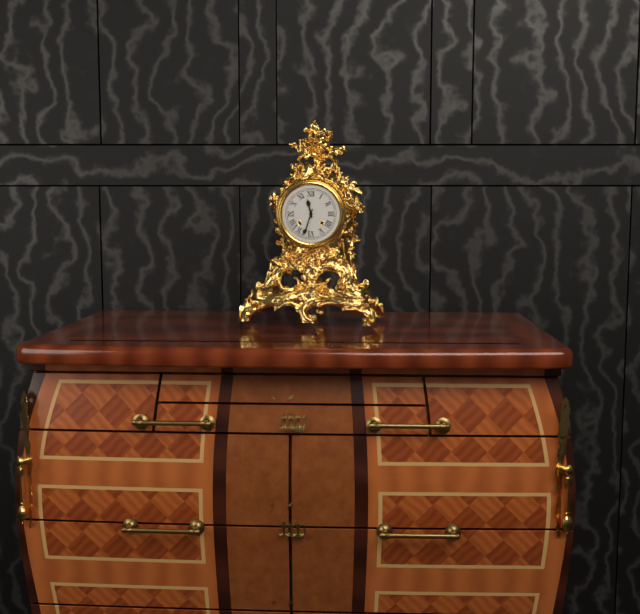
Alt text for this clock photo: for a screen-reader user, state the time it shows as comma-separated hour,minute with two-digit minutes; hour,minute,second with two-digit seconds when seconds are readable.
11,33
